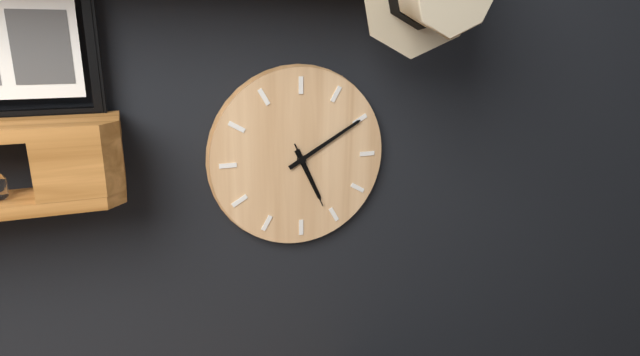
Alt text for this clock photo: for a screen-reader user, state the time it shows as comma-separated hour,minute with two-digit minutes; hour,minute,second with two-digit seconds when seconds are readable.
5,10,26
